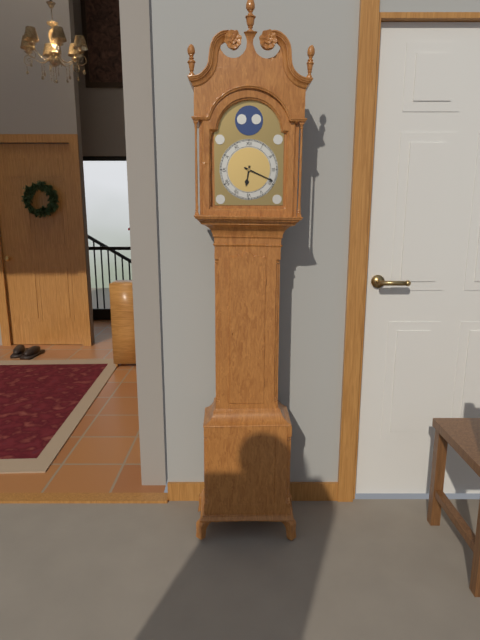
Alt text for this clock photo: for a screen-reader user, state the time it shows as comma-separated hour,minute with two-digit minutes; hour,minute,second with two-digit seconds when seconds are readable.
6,19
